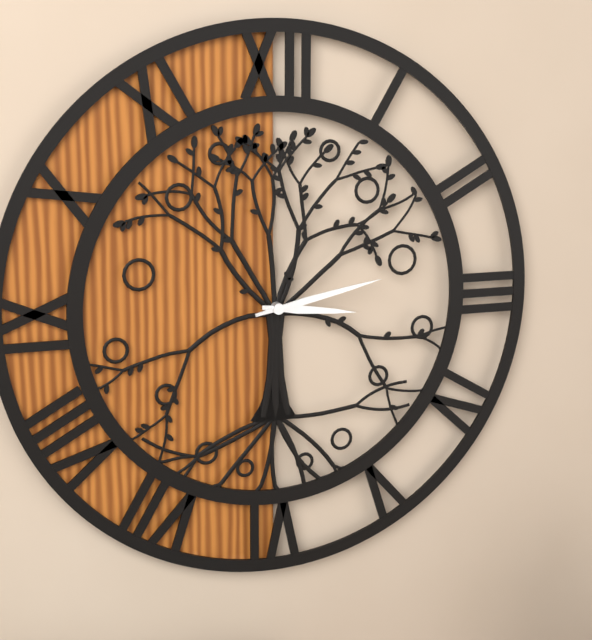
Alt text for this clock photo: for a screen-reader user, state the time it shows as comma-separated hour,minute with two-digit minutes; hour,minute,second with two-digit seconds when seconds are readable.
3,13
